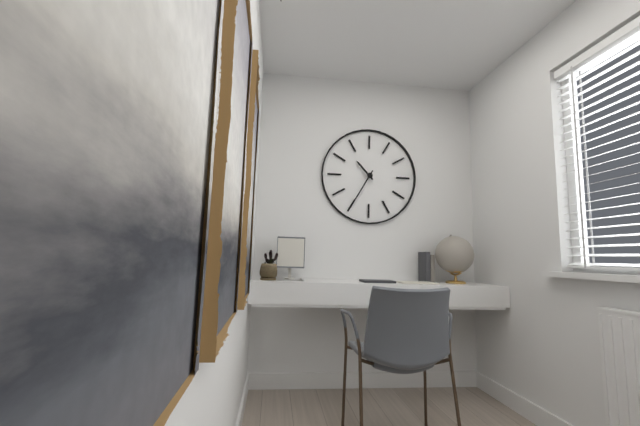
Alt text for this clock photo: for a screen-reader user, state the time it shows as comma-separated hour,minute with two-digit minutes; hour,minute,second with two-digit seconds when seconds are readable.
10,35
